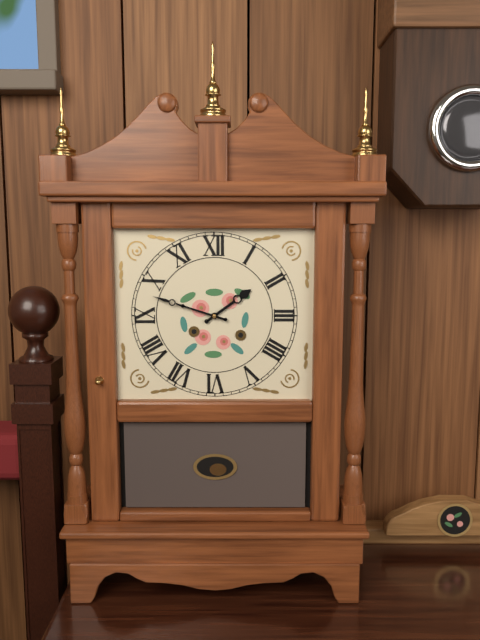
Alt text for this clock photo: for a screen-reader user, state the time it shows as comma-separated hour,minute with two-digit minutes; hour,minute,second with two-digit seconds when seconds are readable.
1,48
